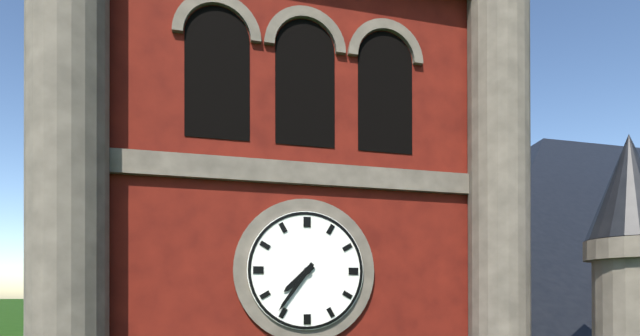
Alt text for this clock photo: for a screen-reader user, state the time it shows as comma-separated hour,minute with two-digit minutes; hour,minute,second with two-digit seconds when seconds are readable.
7,36
